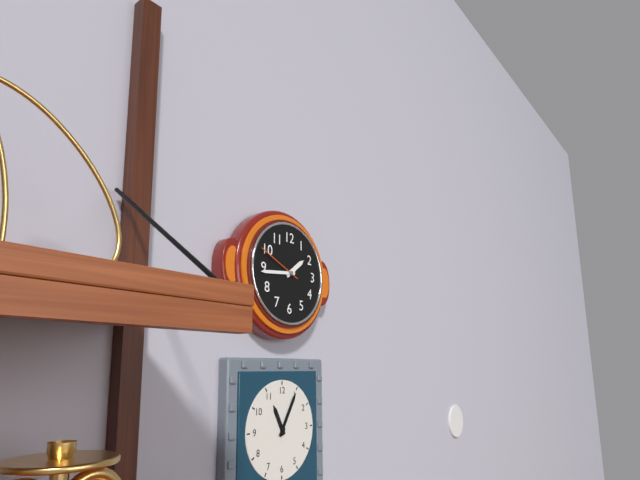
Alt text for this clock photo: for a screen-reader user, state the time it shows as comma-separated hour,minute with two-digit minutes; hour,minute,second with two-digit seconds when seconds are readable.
1,44
